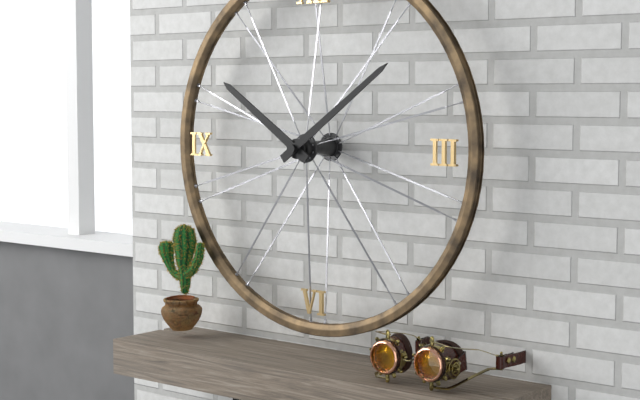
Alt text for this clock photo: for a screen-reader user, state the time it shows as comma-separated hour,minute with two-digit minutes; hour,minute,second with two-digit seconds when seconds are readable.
10,09
